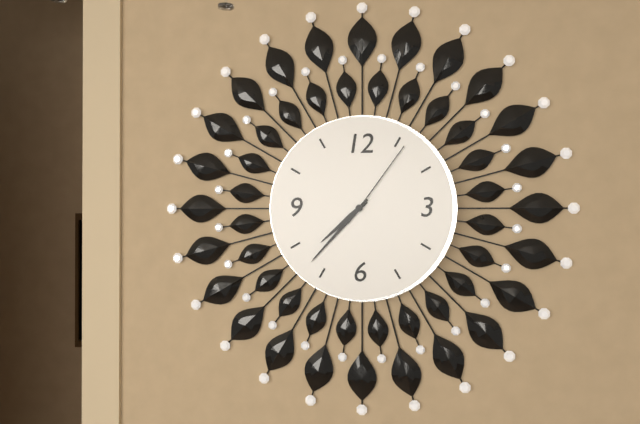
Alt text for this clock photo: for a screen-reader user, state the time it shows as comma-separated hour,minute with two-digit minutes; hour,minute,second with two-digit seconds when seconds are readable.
7,37,06
